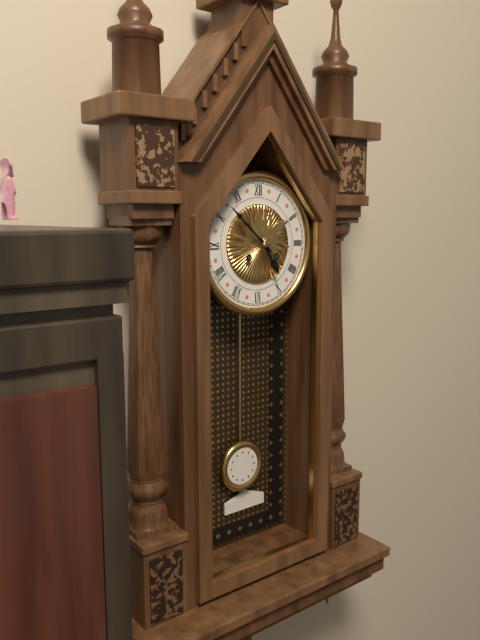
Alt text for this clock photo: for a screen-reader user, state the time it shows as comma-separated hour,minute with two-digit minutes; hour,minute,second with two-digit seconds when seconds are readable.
4,52
